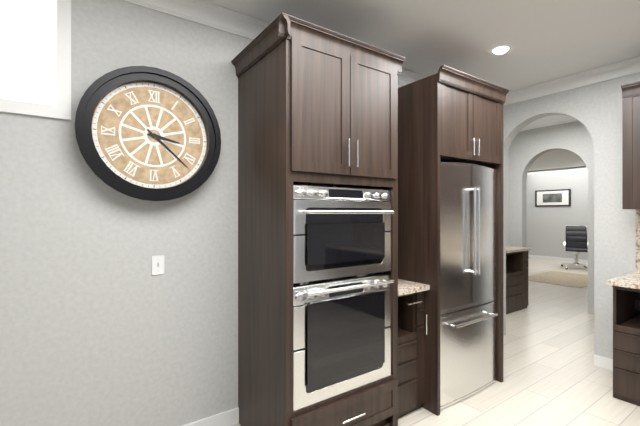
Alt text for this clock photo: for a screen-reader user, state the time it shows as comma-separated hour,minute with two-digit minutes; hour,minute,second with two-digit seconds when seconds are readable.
3,22
